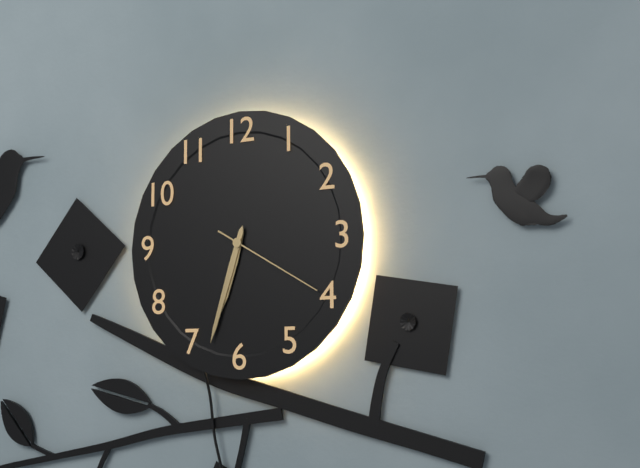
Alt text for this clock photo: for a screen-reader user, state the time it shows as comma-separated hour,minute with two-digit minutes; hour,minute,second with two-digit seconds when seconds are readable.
6,33,20
